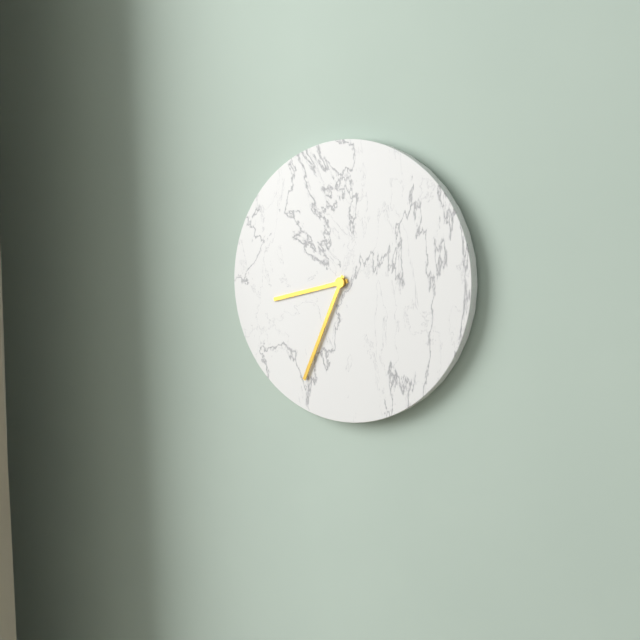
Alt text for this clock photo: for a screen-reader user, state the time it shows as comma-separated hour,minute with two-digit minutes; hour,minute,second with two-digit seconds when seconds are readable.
8,34
